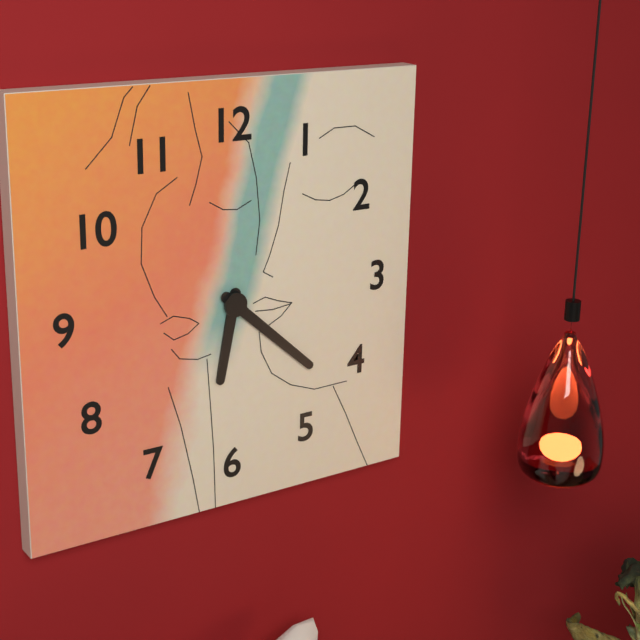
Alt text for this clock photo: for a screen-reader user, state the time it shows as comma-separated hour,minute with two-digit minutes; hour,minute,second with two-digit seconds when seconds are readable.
6,22
